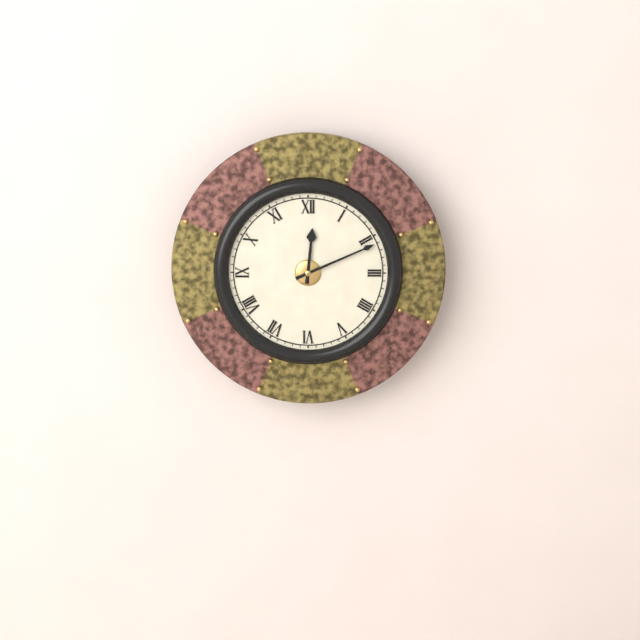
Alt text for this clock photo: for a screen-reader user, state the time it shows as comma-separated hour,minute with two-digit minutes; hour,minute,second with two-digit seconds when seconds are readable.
12,11
